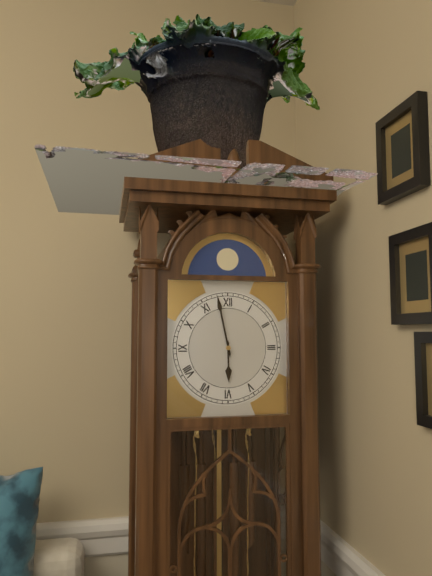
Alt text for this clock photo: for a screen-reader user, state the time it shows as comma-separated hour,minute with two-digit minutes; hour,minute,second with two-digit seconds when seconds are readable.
5,58
